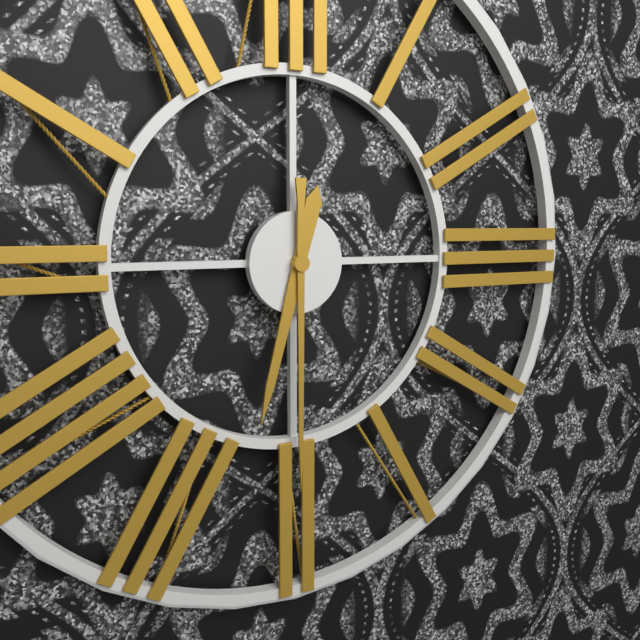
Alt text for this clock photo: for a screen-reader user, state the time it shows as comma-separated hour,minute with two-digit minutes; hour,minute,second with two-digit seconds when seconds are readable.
6,30
